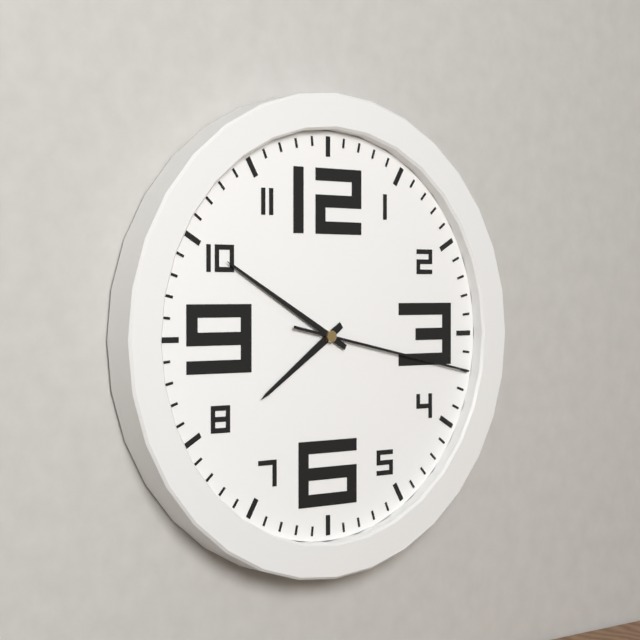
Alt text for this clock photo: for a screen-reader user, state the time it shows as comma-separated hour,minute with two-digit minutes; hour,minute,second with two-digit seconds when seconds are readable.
7,50,17
